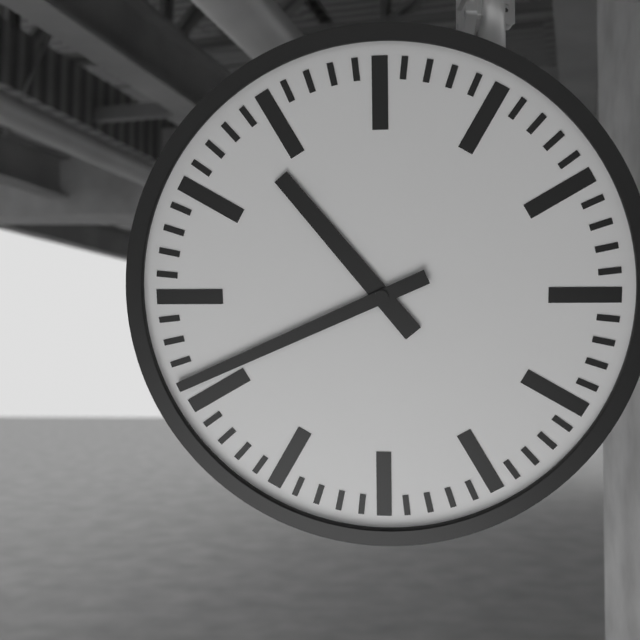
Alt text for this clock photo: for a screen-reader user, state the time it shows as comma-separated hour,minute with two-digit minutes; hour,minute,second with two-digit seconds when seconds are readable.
10,41
